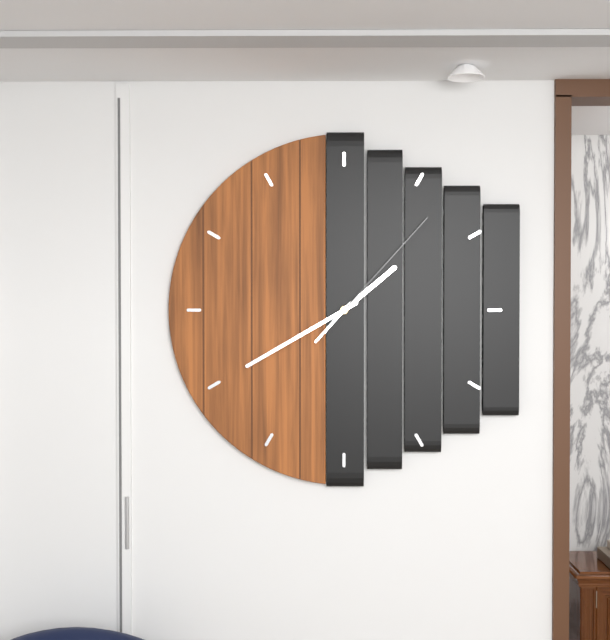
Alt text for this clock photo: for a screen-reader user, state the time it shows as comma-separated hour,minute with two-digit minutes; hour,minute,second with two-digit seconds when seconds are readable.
1,40,07
